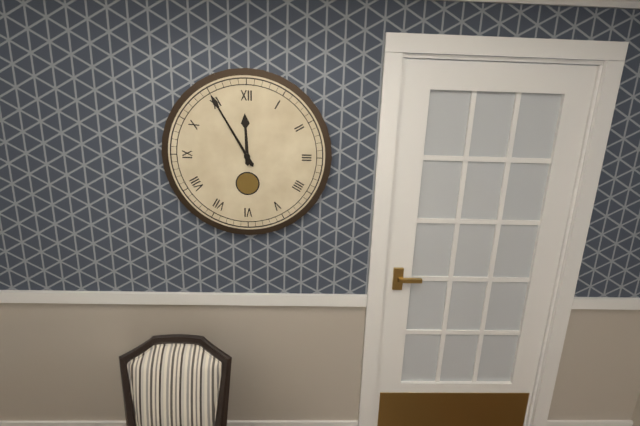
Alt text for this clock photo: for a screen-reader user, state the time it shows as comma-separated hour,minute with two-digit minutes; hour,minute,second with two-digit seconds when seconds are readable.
11,55
